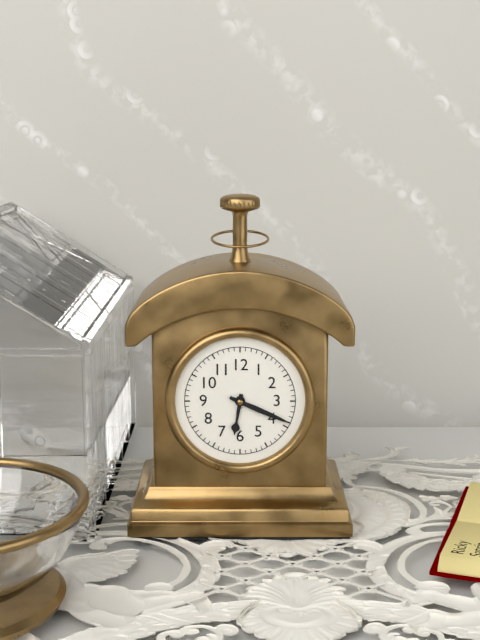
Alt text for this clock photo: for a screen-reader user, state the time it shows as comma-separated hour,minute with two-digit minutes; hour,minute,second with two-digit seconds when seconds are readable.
6,19
